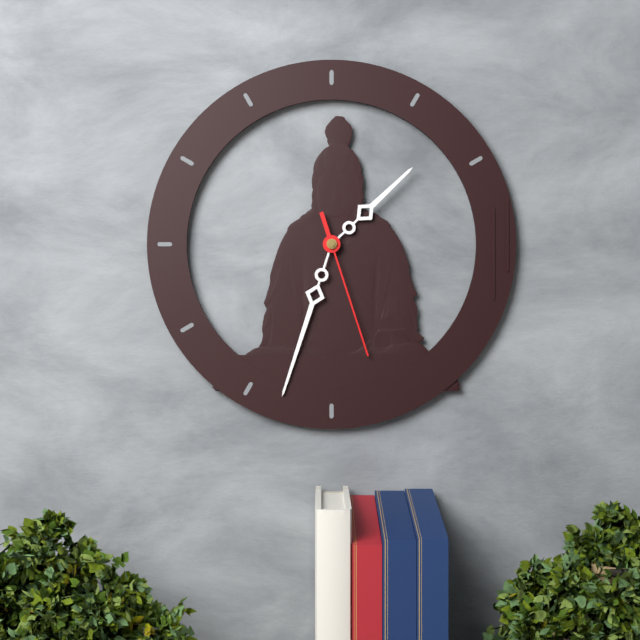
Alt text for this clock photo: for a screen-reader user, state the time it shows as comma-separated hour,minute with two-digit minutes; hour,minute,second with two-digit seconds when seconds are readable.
1,33,27
